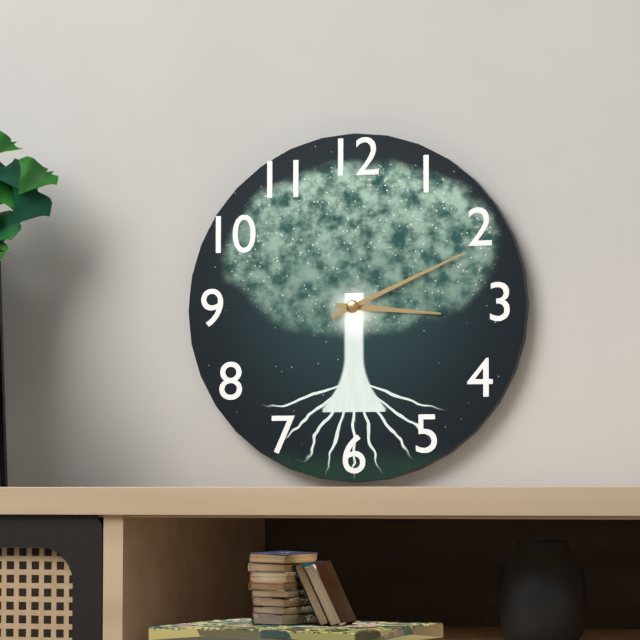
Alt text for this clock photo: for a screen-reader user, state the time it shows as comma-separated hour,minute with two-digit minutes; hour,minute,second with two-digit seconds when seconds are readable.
3,11
